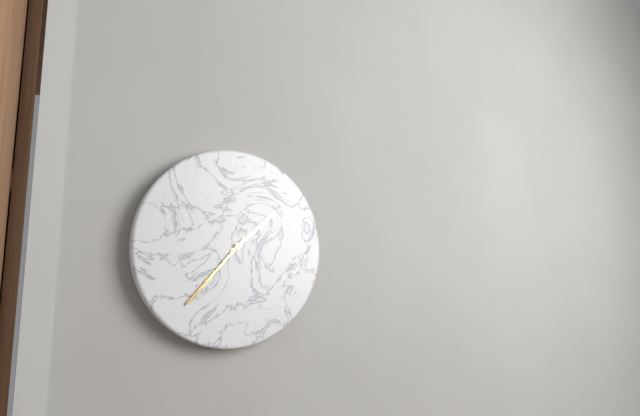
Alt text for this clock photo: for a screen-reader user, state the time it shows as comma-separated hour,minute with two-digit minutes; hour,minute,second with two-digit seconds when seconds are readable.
1,37
